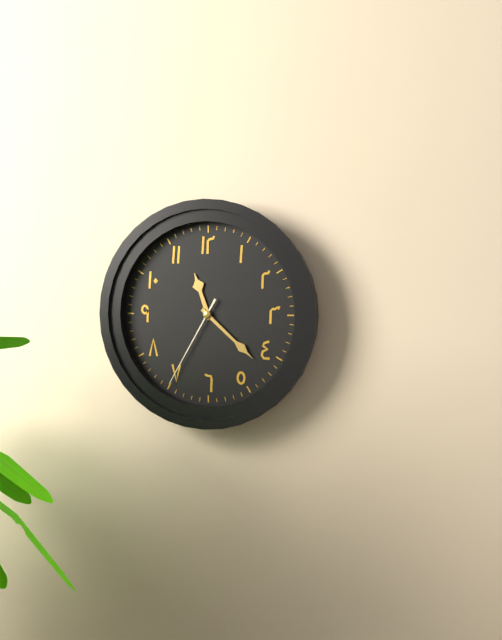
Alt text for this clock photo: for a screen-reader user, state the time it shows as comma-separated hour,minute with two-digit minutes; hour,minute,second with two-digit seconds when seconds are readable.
11,22,35
